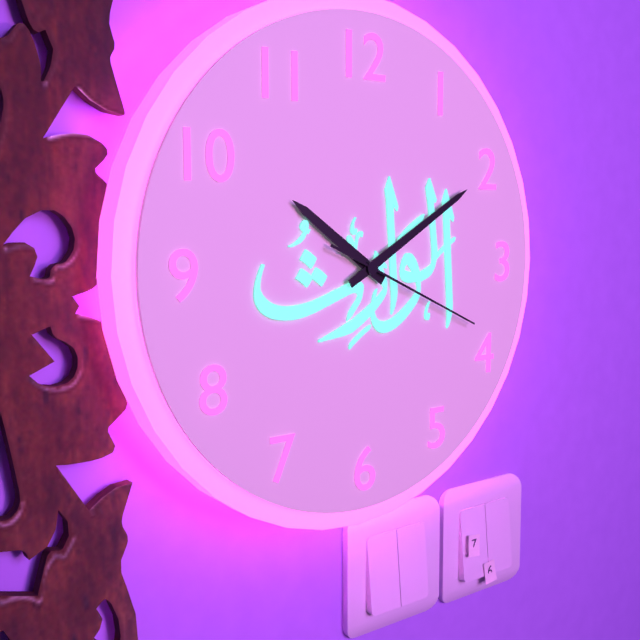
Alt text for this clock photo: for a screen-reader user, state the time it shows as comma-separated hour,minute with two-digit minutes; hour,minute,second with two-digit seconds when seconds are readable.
10,10,19
